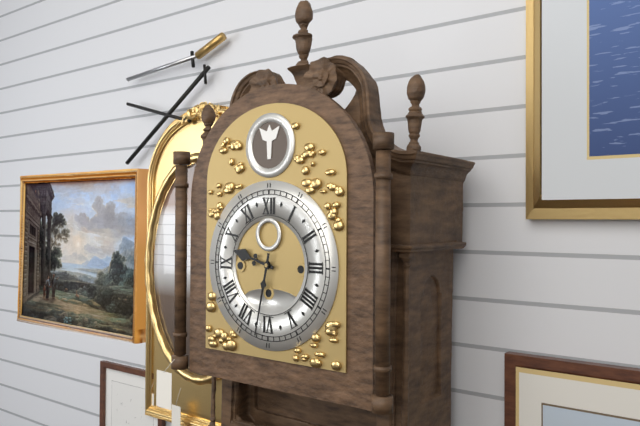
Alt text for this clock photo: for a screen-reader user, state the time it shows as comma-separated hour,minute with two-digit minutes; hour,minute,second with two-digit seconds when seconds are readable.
9,32
